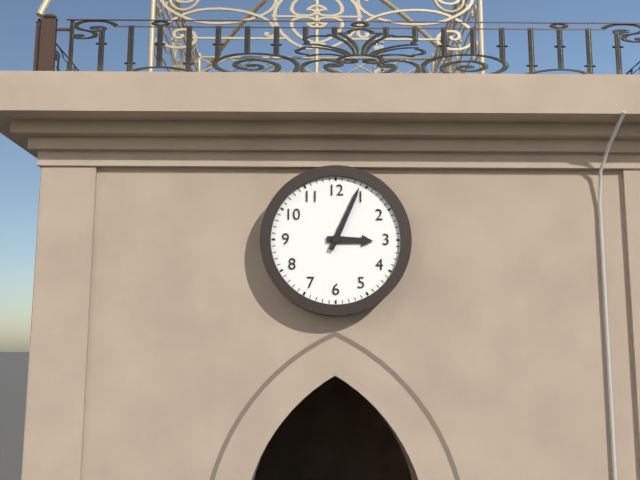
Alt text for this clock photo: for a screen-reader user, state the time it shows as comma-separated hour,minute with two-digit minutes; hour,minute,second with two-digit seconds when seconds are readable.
3,04
